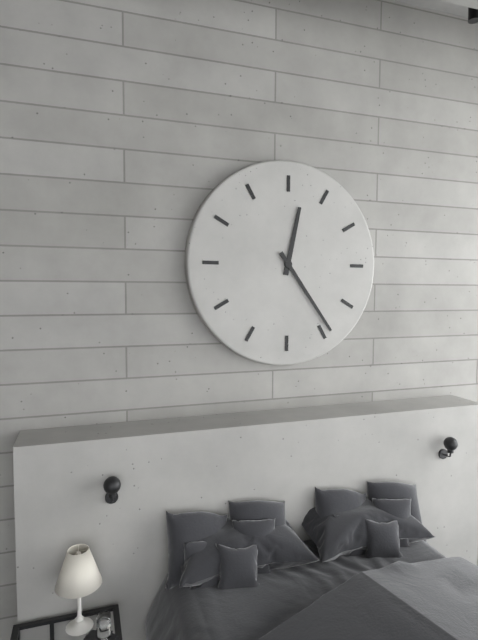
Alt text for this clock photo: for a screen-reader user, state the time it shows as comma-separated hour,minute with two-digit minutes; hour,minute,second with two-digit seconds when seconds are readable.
12,24
